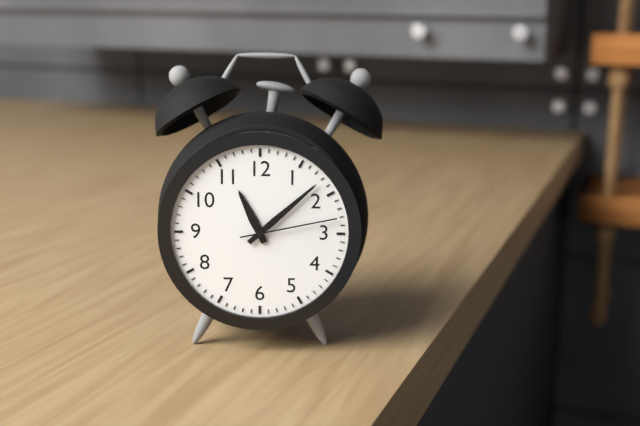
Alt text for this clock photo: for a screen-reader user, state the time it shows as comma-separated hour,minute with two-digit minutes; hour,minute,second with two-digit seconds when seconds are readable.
11,08,13
